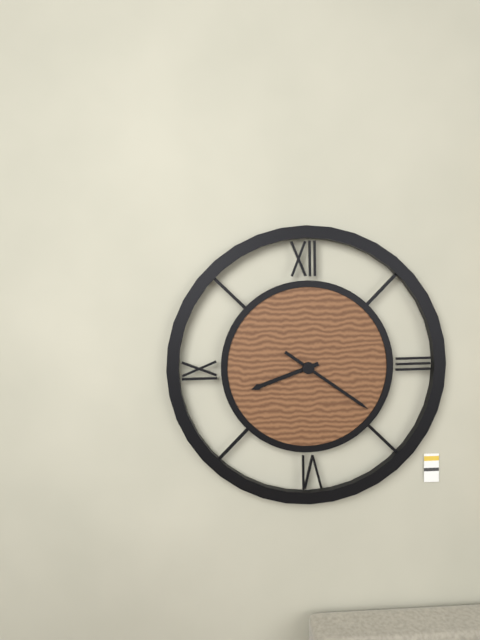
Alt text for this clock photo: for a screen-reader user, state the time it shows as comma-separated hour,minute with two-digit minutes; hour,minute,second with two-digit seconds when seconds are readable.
8,21
